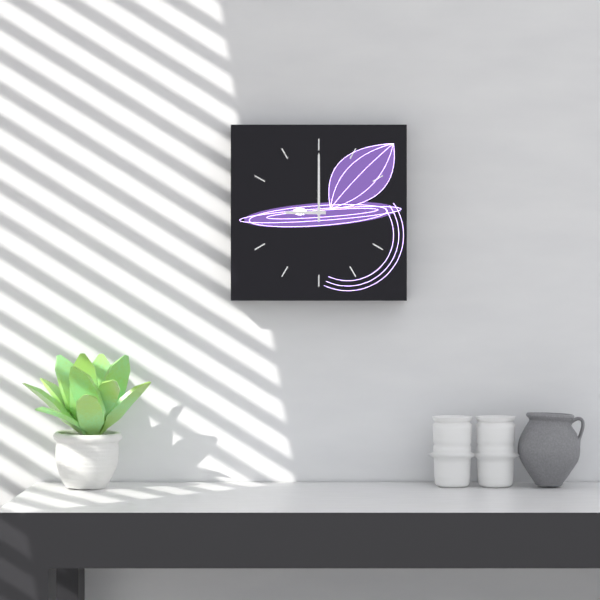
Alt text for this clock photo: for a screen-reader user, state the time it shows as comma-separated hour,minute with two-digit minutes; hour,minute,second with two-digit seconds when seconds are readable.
9,00
